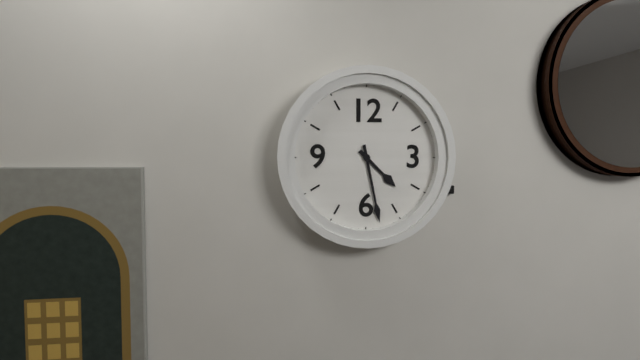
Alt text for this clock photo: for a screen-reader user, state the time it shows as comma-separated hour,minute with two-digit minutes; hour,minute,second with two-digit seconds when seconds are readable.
4,28
